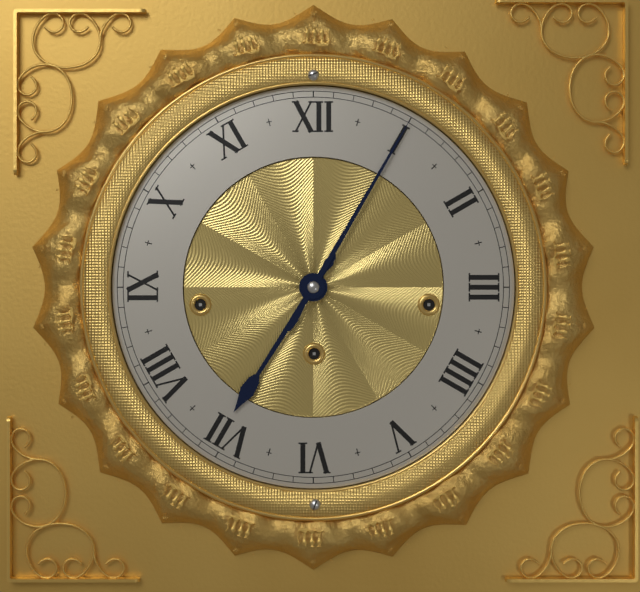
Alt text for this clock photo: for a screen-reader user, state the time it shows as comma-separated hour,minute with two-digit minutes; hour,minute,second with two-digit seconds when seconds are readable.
7,05
